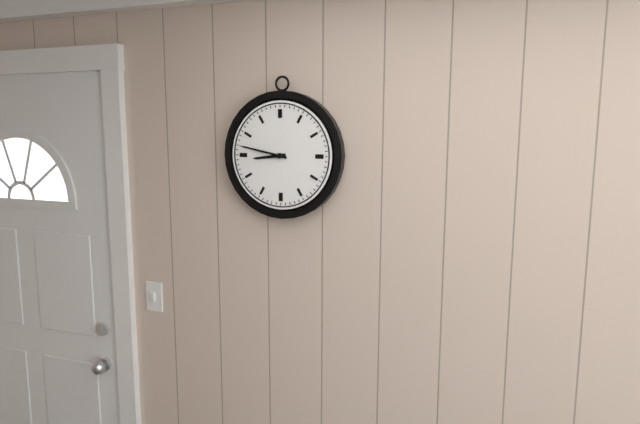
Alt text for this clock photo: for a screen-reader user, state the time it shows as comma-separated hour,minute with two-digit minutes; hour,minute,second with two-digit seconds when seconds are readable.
8,47
